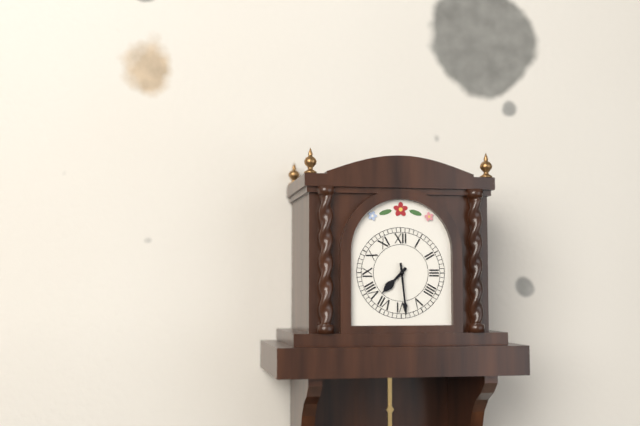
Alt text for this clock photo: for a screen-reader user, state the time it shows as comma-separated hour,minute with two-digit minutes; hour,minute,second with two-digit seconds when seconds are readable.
7,29
